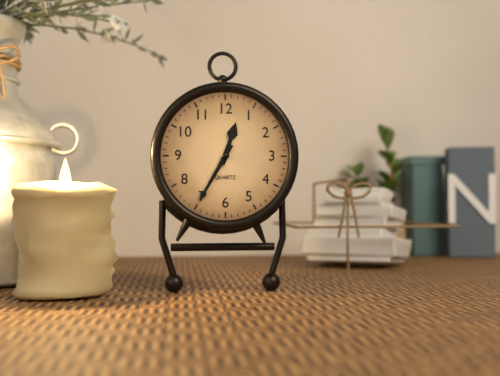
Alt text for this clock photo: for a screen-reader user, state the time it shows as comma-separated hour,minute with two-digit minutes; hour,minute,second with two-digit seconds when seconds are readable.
12,35
